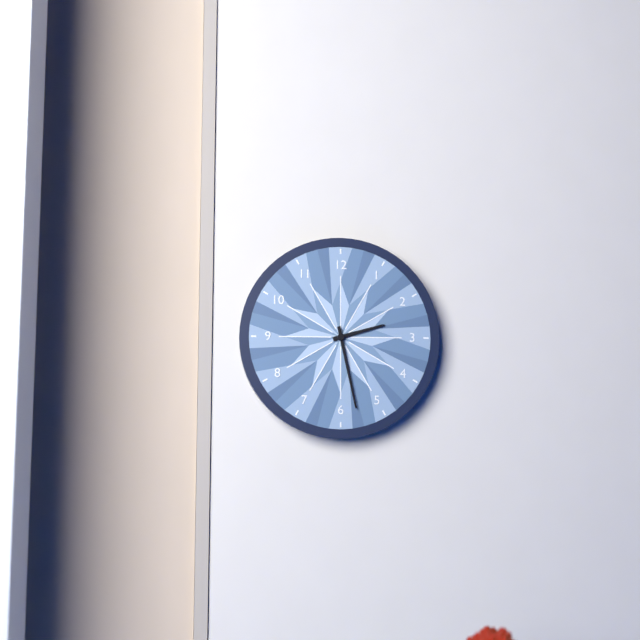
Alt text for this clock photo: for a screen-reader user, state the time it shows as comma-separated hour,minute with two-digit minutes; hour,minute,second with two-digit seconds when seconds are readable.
2,28
